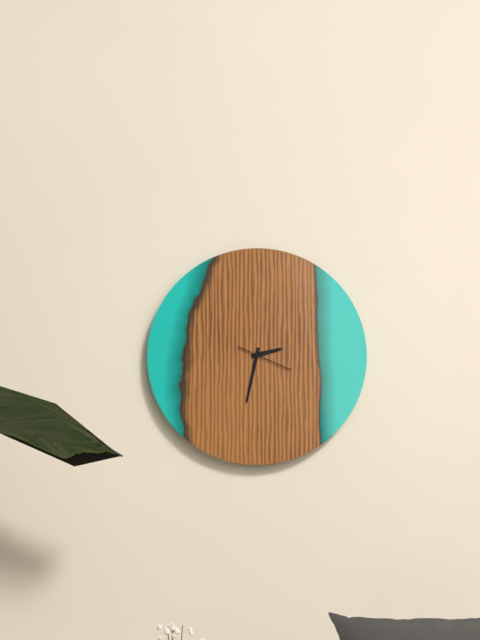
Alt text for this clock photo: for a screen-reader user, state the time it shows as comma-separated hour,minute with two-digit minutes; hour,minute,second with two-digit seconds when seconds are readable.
2,32
